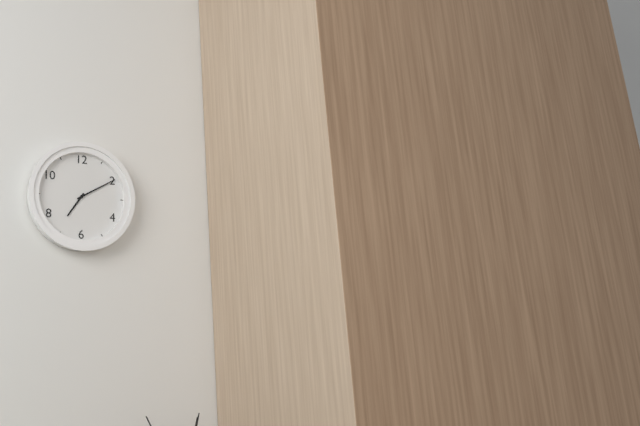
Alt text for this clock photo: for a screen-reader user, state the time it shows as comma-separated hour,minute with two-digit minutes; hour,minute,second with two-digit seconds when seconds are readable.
7,10
